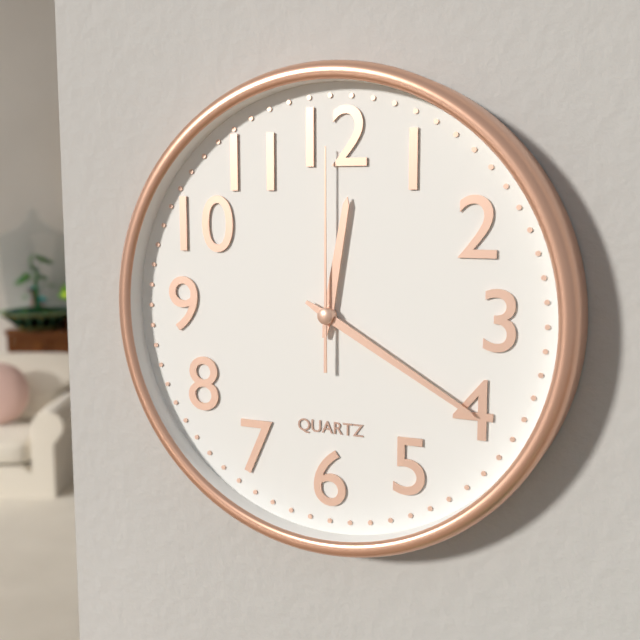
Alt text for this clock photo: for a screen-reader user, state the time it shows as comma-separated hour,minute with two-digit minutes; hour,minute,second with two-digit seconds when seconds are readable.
12,20,00
